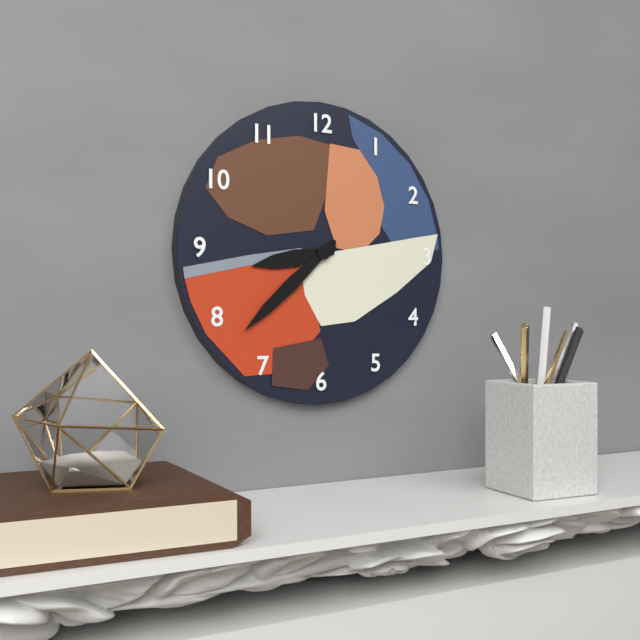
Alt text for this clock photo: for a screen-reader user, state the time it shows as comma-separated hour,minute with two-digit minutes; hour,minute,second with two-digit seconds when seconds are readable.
8,38
